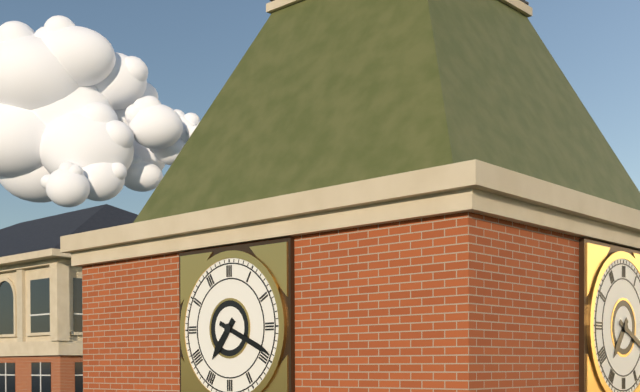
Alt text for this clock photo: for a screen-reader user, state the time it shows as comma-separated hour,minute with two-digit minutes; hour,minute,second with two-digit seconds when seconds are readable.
7,19
